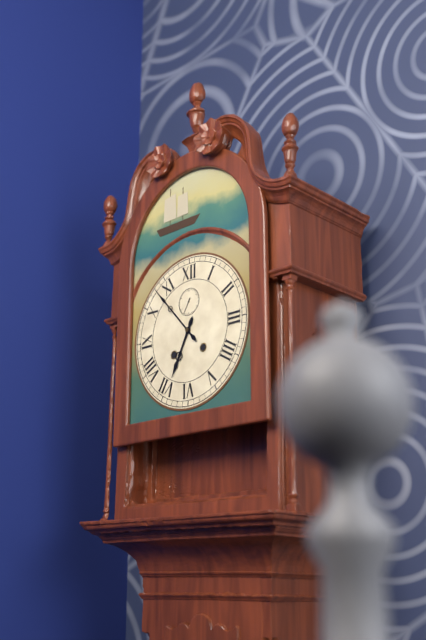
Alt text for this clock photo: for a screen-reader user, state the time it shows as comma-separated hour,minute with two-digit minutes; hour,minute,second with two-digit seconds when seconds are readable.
6,53
